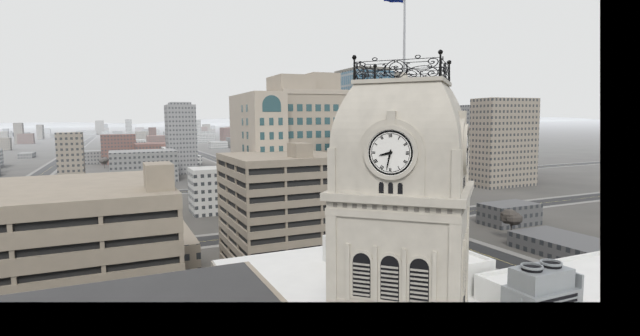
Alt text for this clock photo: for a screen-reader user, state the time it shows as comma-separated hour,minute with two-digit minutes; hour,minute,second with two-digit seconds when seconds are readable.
8,32
